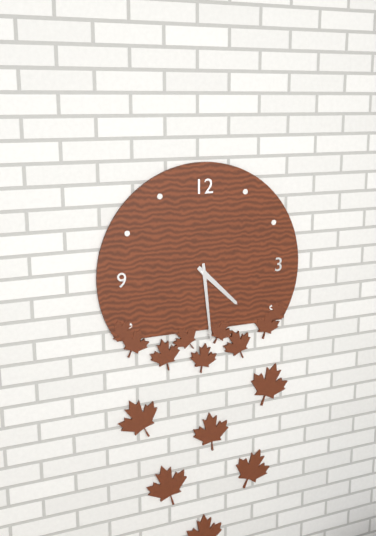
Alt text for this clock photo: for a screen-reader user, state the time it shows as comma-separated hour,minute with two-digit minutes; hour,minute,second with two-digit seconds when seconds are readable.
4,29
